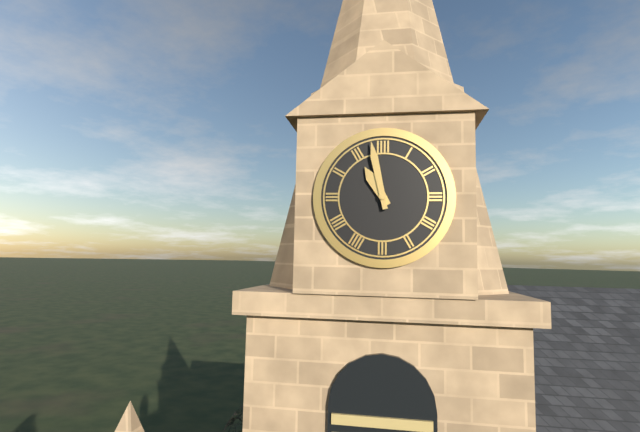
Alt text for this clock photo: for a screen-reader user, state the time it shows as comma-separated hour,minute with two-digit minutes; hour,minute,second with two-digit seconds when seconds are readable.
10,58
